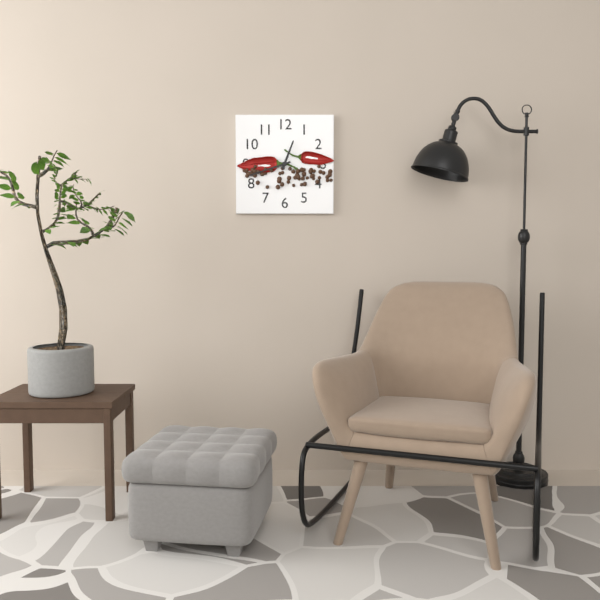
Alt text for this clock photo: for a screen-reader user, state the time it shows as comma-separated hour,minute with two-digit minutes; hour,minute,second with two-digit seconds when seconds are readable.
12,42
